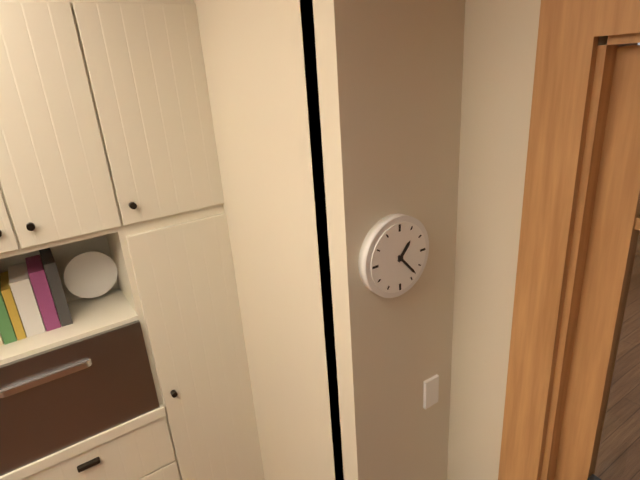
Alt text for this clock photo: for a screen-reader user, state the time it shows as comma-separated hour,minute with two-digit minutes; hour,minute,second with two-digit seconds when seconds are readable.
1,23
